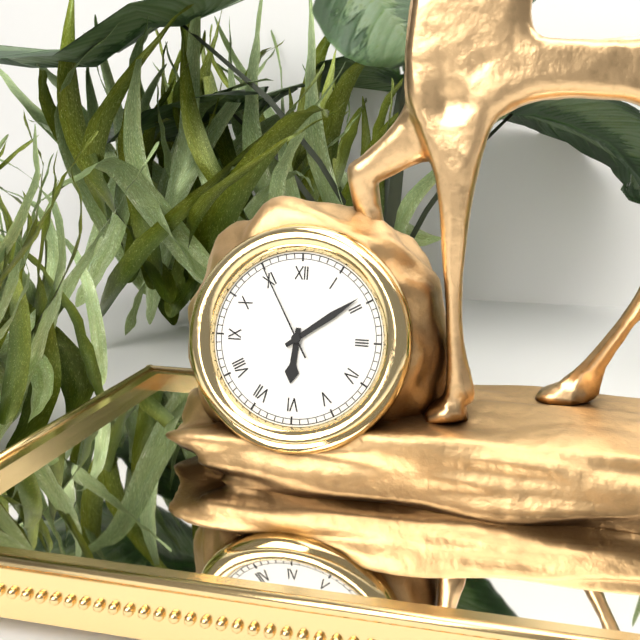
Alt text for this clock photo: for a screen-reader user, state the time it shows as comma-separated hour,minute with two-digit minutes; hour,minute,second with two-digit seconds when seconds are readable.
6,09,55
